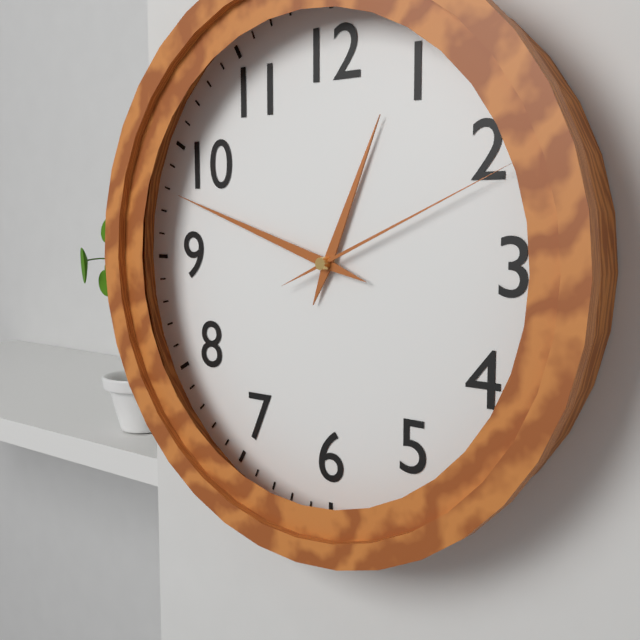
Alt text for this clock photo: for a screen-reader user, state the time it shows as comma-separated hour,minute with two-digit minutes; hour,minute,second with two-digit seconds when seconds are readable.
12,48,11
